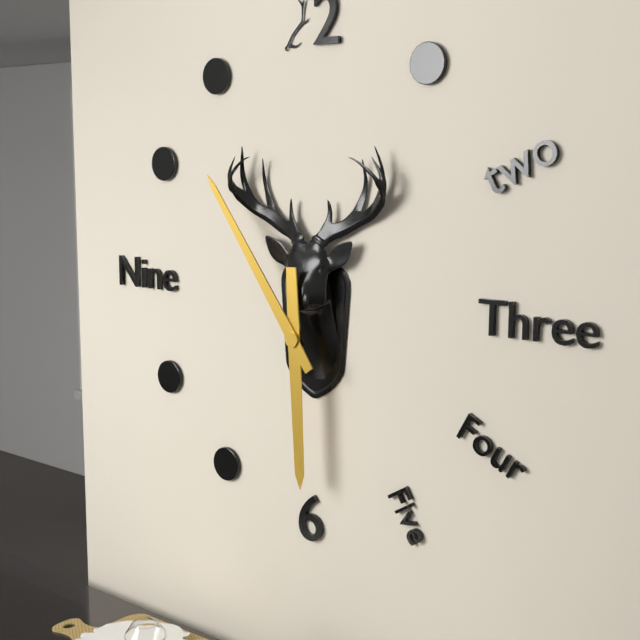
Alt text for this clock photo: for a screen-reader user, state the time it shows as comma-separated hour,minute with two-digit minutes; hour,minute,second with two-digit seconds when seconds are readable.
5,54
